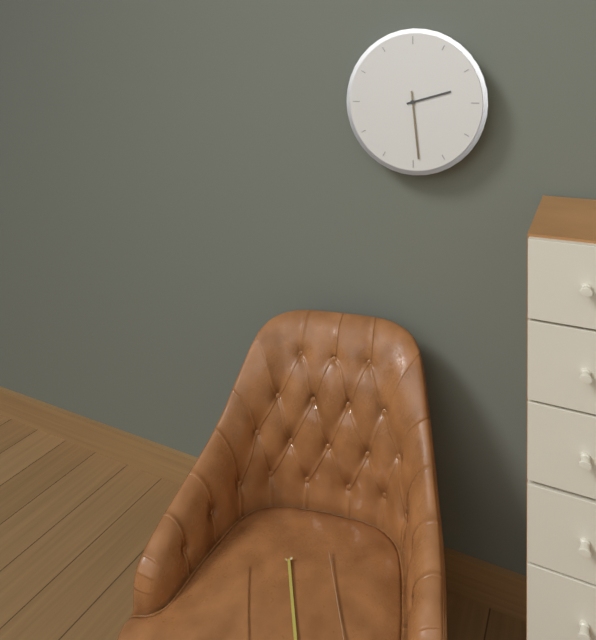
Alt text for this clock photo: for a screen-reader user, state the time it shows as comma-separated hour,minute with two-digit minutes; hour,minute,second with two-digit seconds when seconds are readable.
2,29
